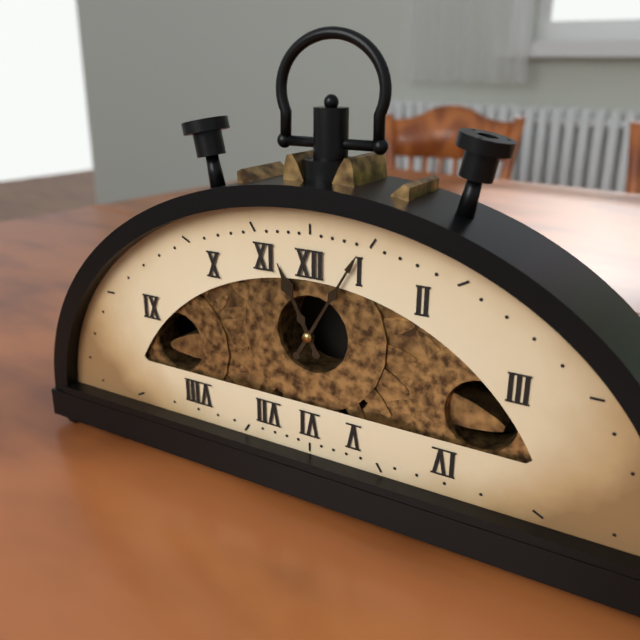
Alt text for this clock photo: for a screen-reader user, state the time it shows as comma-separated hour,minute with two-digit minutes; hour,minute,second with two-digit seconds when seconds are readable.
11,05
